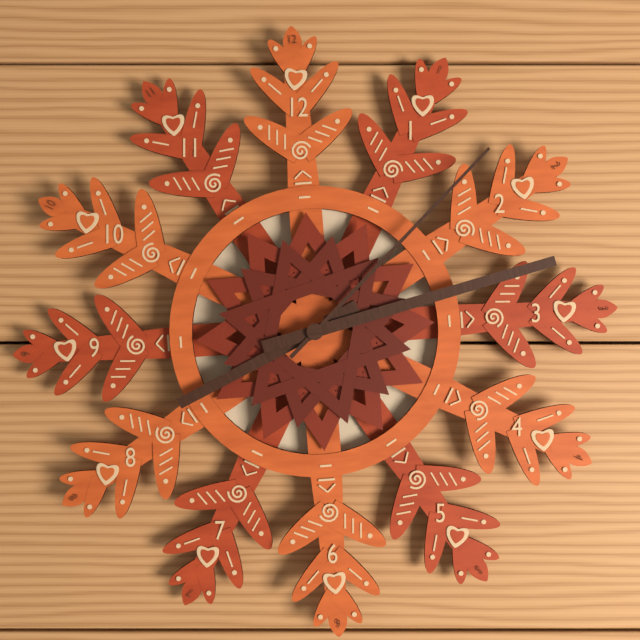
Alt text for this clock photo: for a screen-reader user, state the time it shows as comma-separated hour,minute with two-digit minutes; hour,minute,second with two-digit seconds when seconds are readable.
8,13,08
